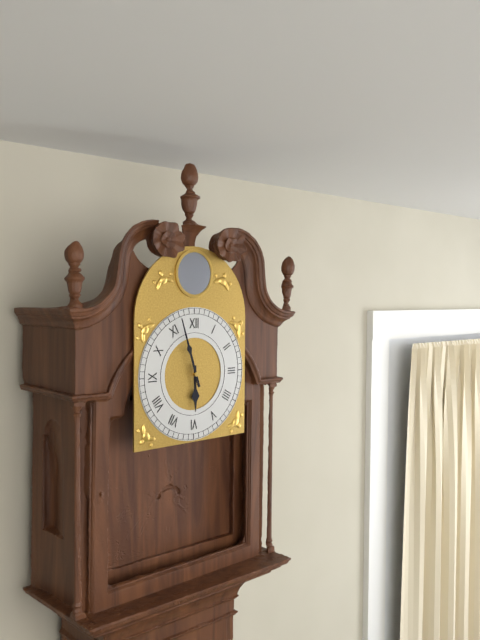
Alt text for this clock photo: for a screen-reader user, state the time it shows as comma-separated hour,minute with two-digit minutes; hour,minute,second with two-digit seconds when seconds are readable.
5,57
